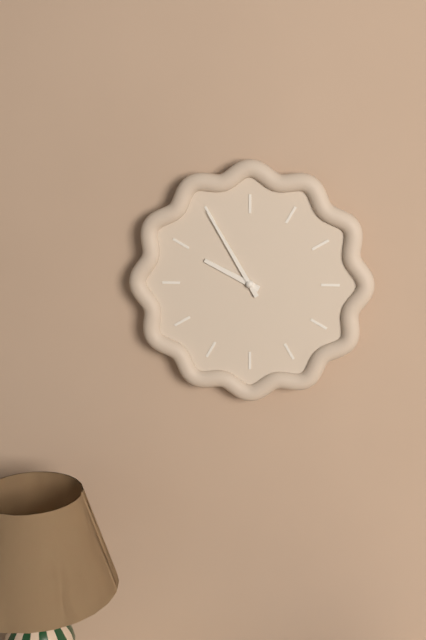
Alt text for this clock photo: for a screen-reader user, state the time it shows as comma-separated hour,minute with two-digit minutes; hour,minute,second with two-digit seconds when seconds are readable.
9,55
